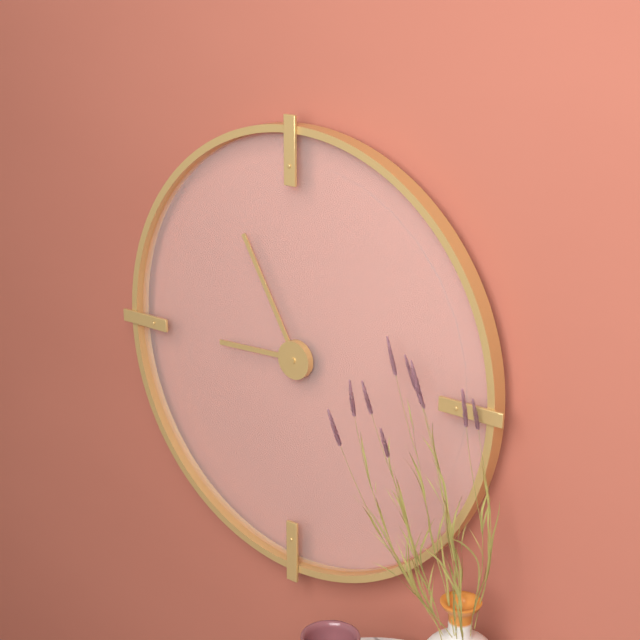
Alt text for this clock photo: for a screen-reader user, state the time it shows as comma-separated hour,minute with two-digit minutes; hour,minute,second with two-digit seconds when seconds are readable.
8,55
